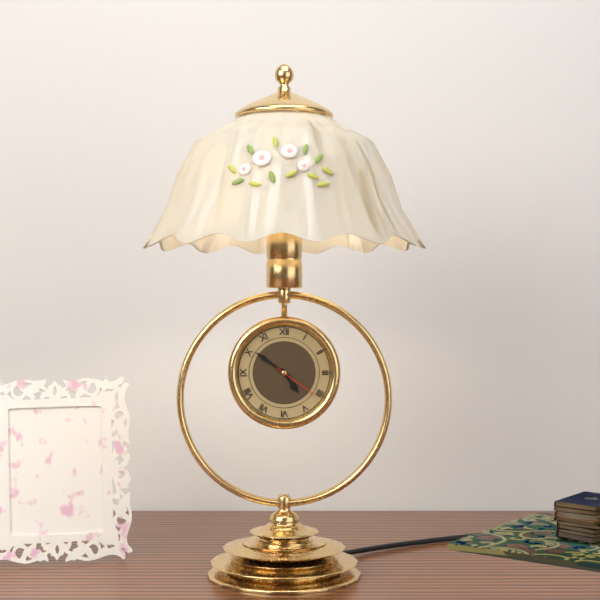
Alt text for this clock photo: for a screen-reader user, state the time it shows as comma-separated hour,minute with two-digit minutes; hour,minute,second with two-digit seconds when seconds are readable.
4,51,21
